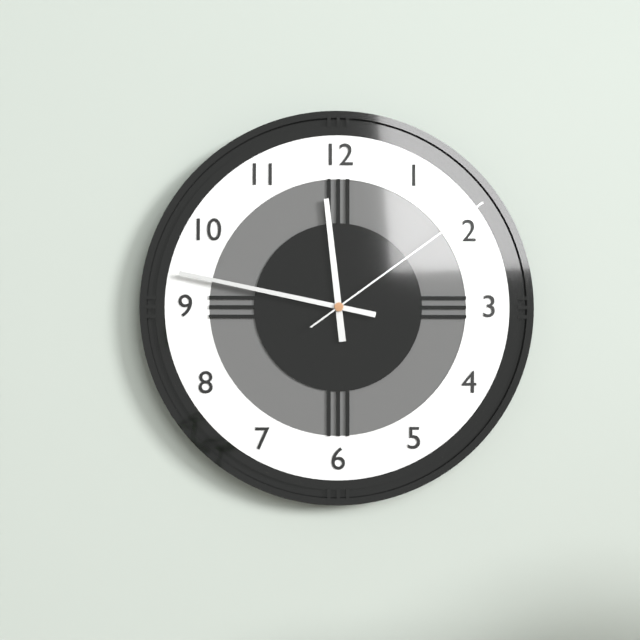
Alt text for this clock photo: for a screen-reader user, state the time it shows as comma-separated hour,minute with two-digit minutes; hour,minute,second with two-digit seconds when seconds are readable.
11,47,09
